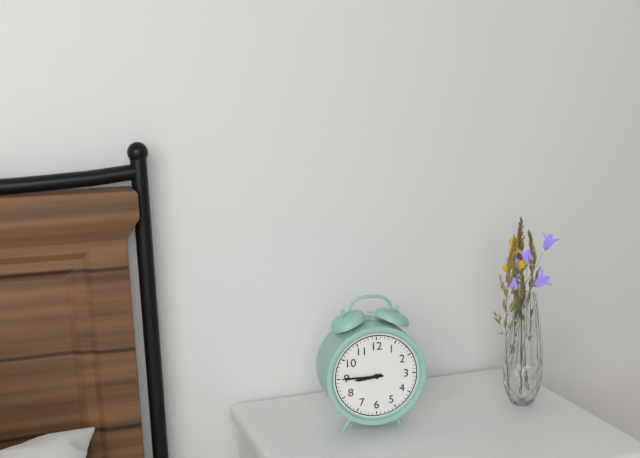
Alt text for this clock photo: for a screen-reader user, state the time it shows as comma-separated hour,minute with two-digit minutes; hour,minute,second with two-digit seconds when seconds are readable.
8,45
